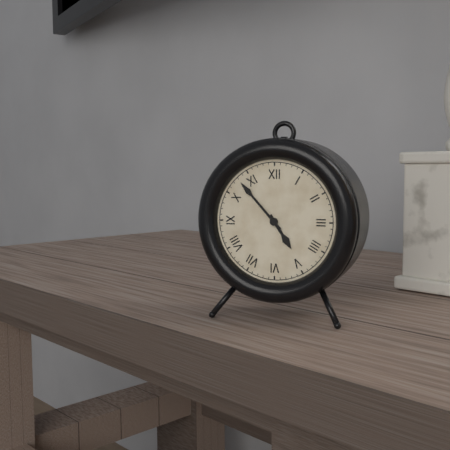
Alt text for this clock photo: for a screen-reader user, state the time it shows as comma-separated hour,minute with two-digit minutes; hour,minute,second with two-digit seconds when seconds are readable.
4,53
